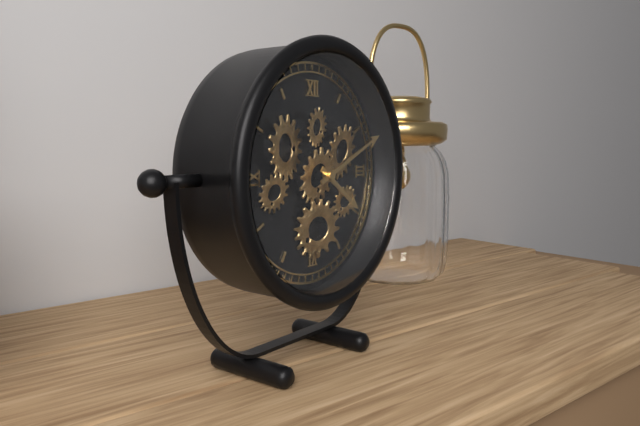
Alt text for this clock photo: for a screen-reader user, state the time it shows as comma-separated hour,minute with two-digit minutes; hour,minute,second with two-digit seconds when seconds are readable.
4,11
